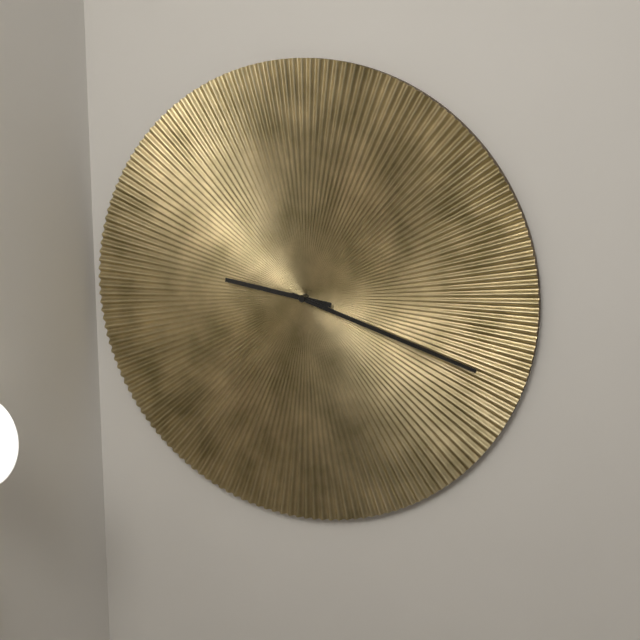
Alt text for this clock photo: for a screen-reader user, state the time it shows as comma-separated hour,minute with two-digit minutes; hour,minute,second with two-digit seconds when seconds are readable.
9,18
